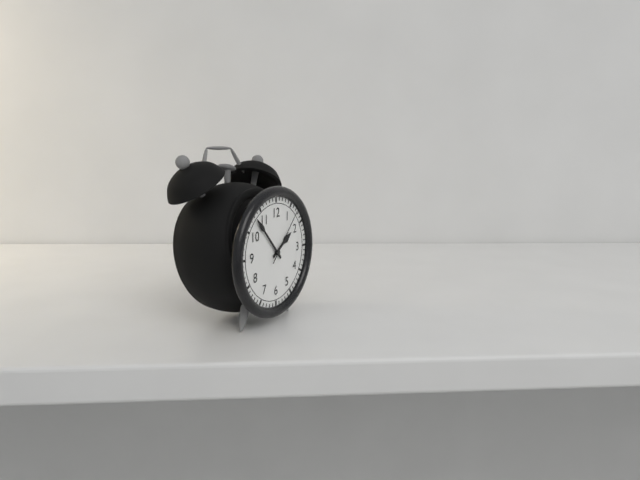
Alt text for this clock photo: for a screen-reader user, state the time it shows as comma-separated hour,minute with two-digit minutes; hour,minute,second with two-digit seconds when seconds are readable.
1,53,07
